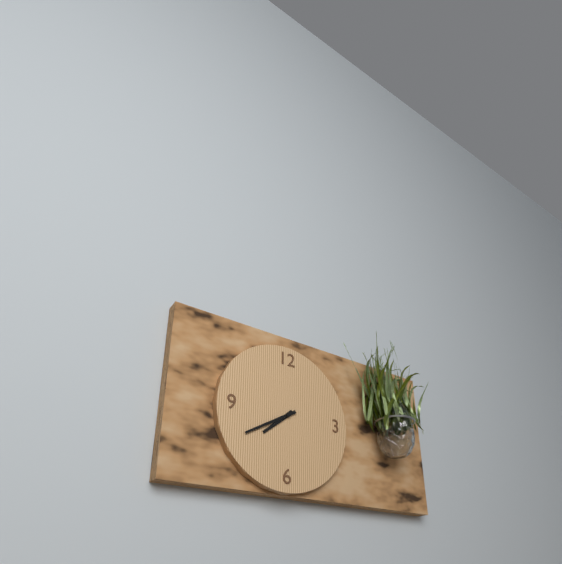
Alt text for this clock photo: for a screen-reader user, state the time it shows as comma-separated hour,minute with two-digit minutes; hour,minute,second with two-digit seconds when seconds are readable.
7,40
